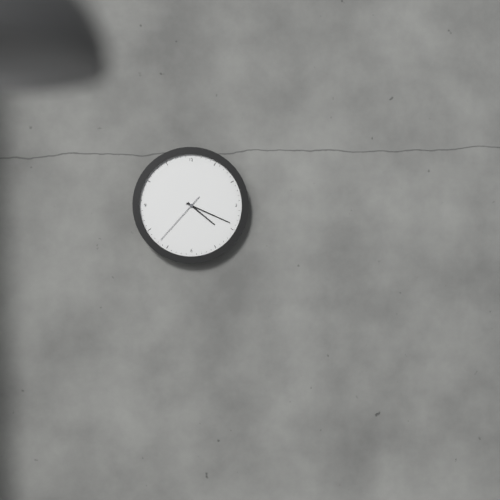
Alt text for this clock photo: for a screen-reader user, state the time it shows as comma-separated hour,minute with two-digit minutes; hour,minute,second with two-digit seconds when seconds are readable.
4,19,37
